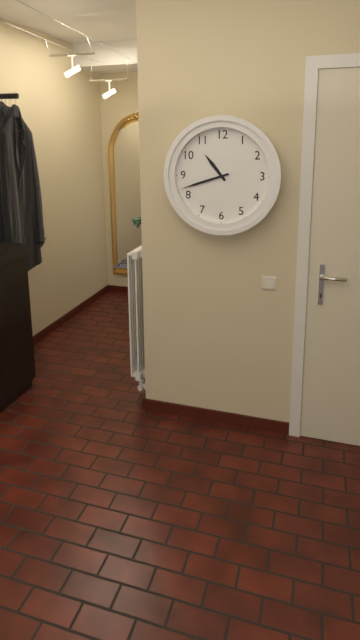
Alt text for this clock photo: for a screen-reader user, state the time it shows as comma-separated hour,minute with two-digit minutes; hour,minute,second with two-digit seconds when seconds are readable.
10,42
